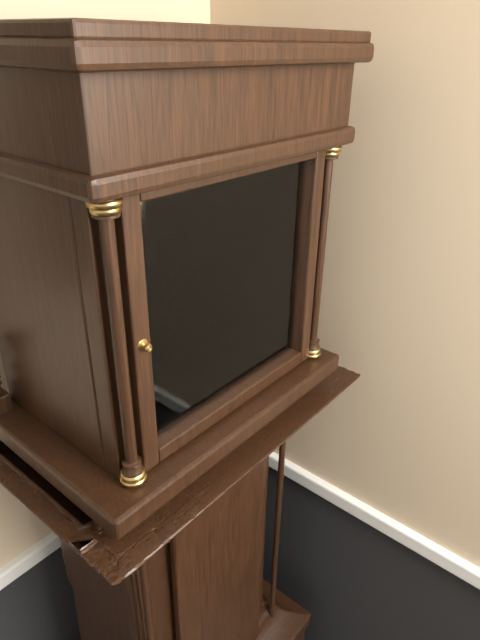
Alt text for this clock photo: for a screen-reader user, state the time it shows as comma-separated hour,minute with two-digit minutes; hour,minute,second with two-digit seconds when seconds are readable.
11,09
